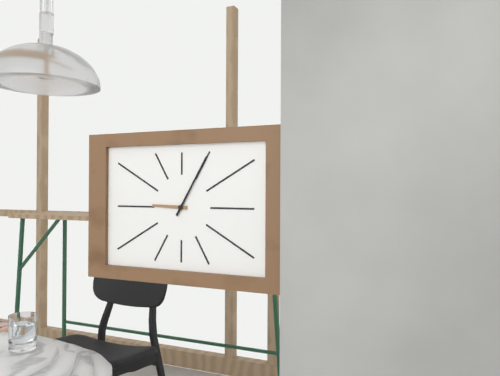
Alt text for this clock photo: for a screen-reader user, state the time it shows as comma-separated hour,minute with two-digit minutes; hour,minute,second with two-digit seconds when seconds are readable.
9,05
